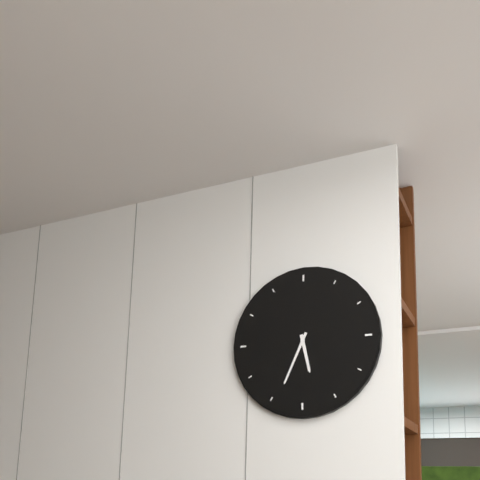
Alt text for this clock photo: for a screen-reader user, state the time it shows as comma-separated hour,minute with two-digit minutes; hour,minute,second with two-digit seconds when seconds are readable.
5,34
